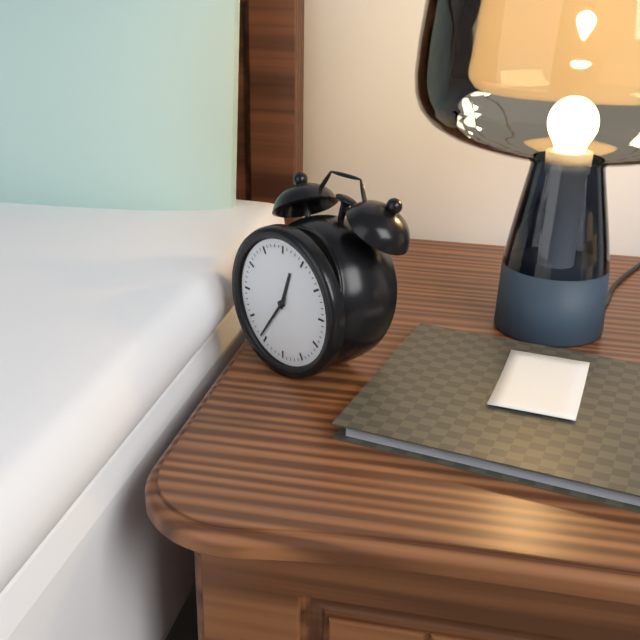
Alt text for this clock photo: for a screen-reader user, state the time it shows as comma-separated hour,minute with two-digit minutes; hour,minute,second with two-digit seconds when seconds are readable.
12,36
